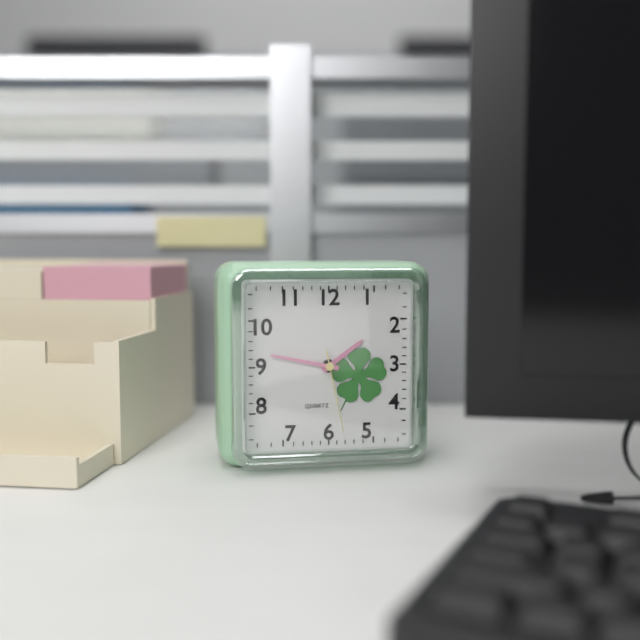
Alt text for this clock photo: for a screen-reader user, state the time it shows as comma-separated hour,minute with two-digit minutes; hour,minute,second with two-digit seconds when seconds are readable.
1,47,28
